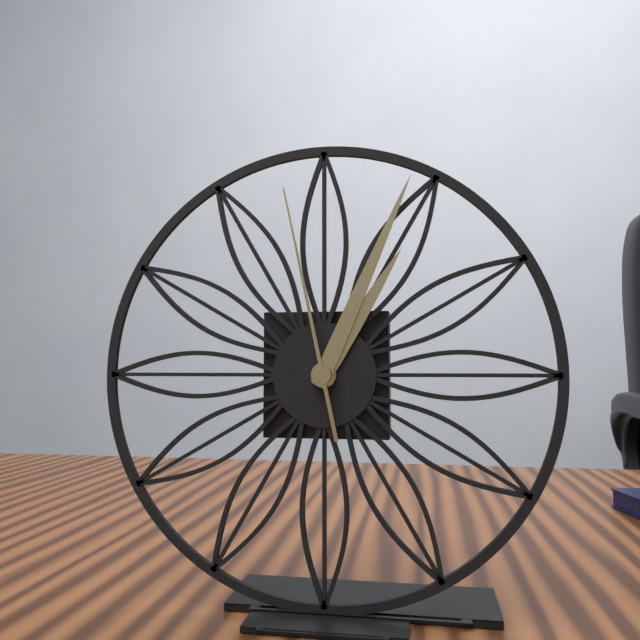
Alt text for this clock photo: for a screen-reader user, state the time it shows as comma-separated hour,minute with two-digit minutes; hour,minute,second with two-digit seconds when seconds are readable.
1,04,58
